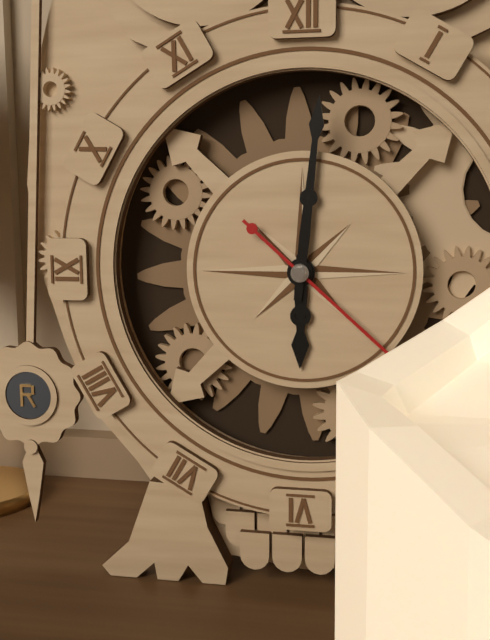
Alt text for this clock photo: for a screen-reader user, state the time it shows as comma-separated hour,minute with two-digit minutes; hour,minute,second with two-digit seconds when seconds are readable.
6,01
